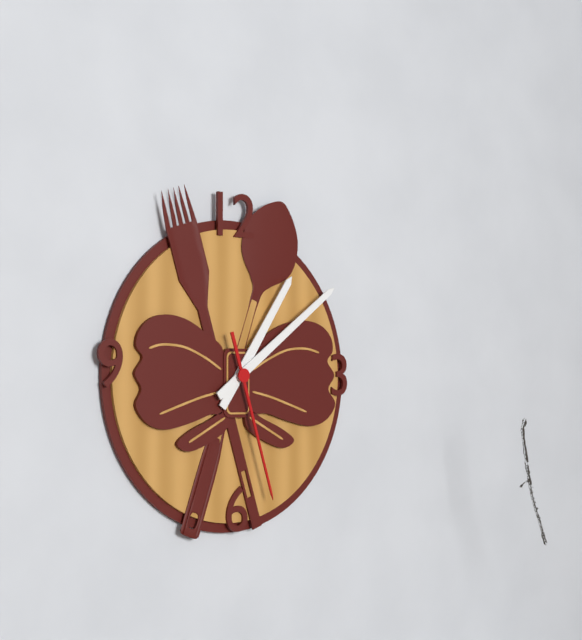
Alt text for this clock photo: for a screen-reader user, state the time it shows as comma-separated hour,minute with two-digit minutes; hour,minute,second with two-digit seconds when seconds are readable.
1,09,27
